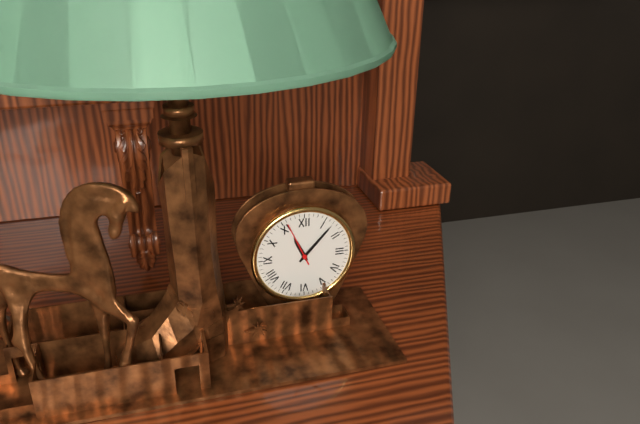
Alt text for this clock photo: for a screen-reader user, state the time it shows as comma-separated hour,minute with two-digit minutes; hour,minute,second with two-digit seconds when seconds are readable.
11,07
